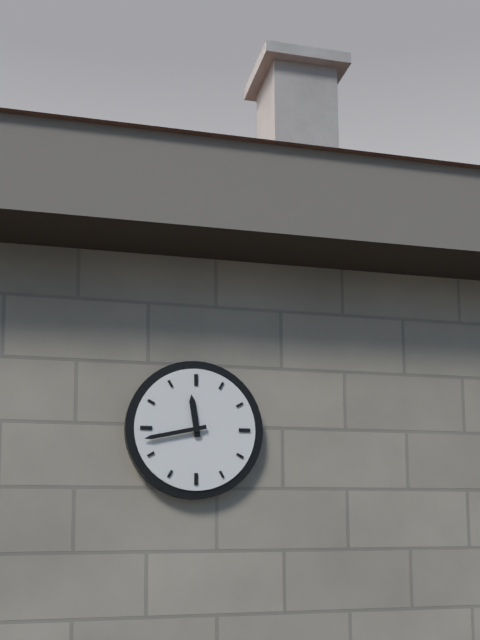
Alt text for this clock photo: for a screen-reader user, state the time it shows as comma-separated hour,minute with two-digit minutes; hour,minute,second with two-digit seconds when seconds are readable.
11,43
